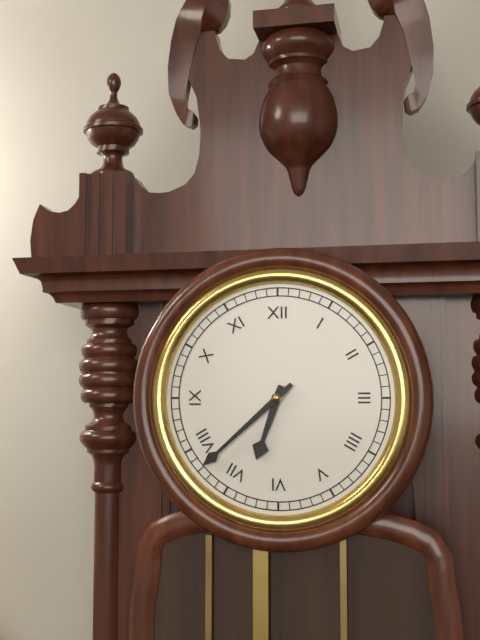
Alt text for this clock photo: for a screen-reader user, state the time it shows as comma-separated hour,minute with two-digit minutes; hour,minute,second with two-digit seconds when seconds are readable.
6,38
